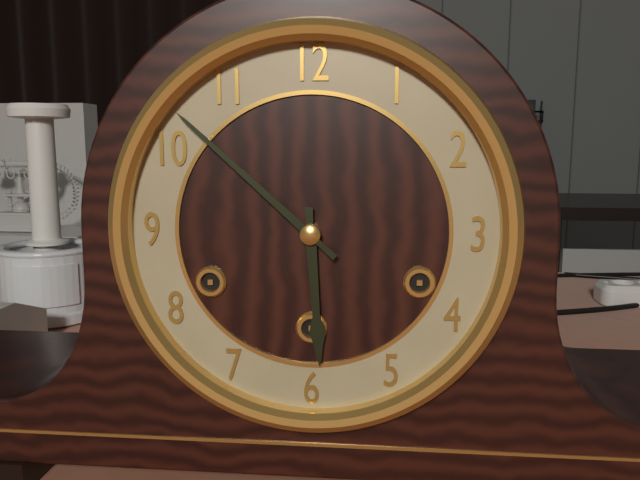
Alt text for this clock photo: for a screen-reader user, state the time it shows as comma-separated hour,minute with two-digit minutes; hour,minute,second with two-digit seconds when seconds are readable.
5,52
